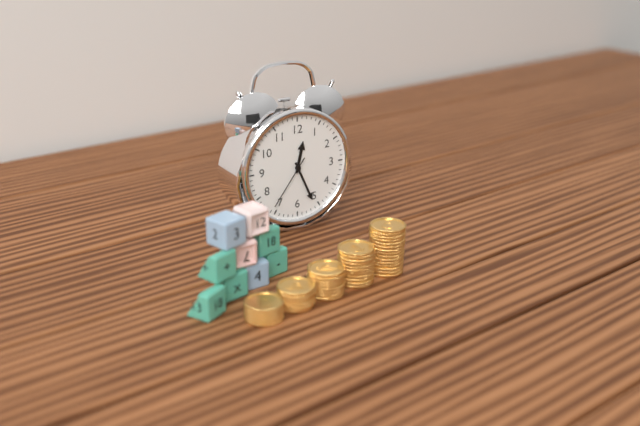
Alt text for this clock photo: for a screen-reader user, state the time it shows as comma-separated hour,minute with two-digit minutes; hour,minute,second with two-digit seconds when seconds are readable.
12,26,36
